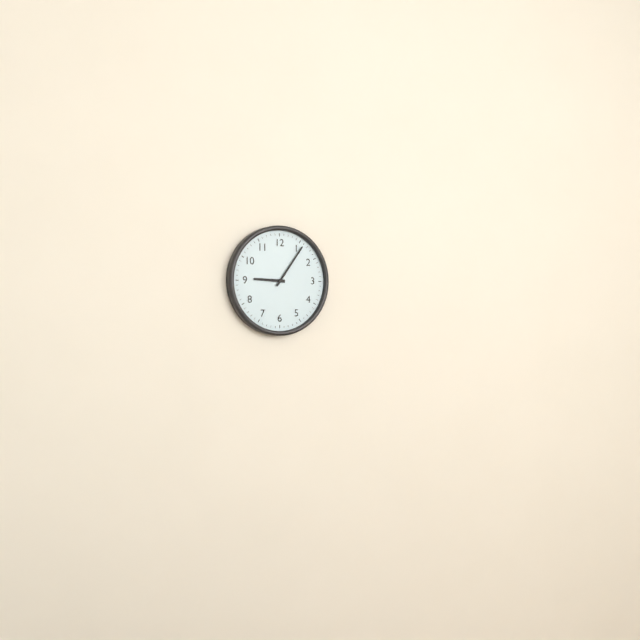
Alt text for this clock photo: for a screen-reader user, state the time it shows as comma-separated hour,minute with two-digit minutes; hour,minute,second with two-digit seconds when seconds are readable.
9,06
